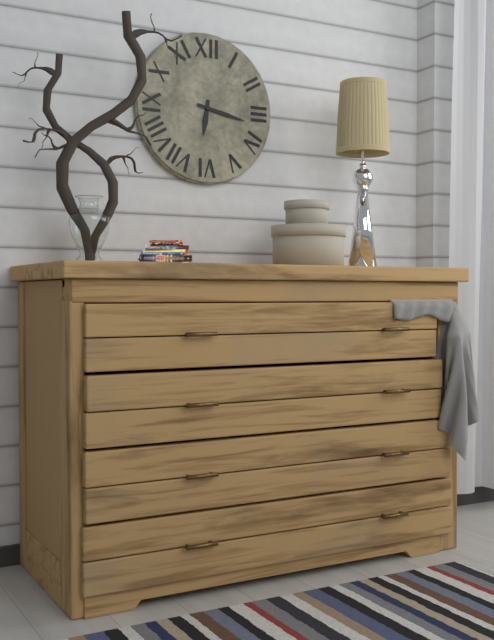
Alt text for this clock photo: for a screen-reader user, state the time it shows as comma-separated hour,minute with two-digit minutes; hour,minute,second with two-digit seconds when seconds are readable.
6,17
